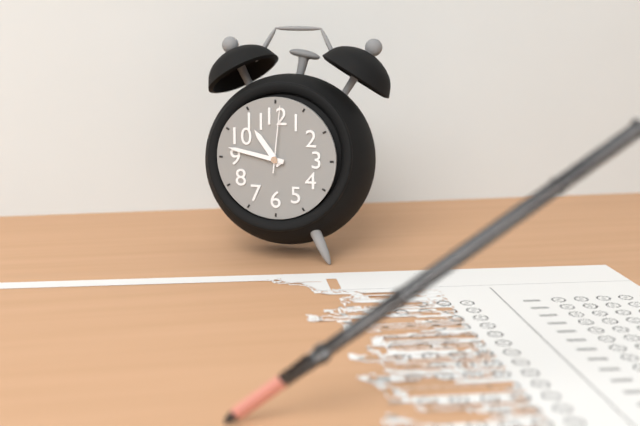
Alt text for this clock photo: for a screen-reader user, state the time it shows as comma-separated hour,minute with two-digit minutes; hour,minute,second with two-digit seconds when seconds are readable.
10,47,01
